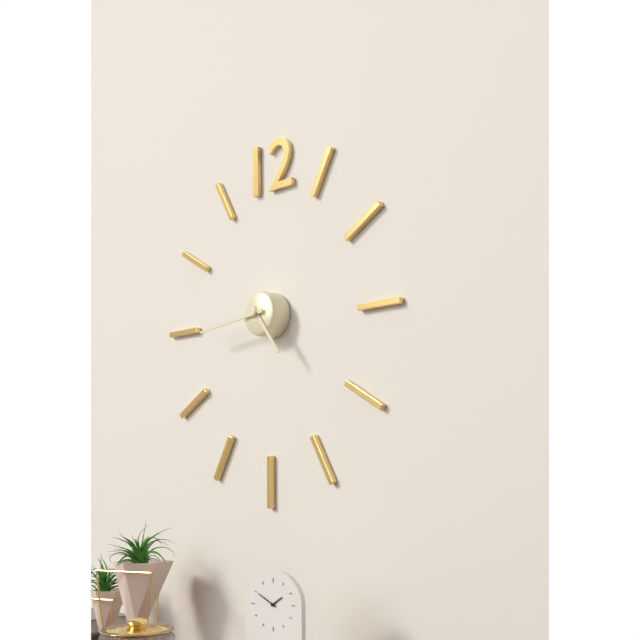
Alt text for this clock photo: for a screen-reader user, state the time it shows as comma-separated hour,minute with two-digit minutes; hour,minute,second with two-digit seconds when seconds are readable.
4,44
